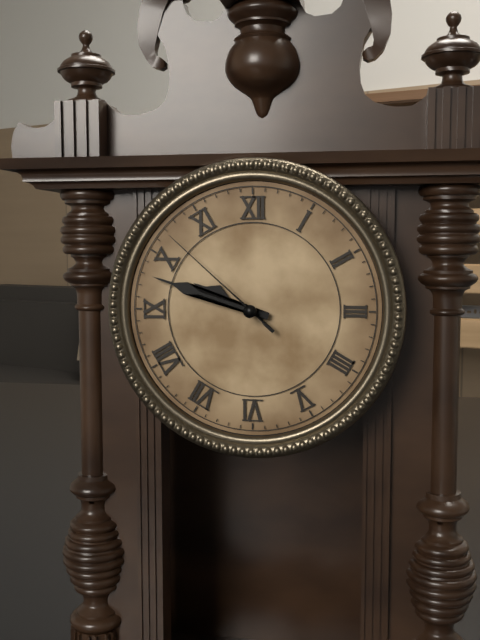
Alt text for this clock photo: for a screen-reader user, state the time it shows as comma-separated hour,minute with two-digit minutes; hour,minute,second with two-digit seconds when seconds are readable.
9,48,52
